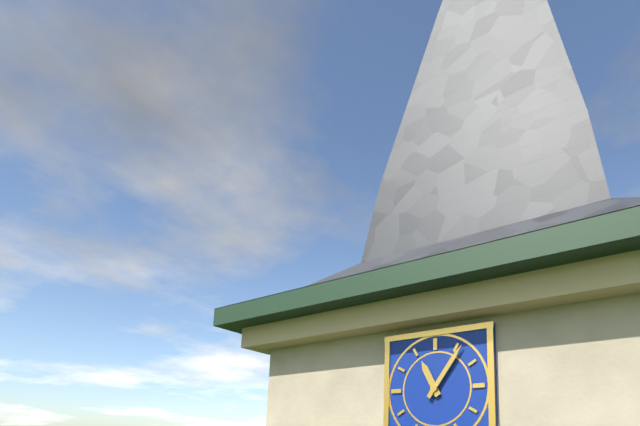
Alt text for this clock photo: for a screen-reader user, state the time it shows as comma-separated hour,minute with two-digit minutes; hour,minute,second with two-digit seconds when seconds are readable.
11,06
